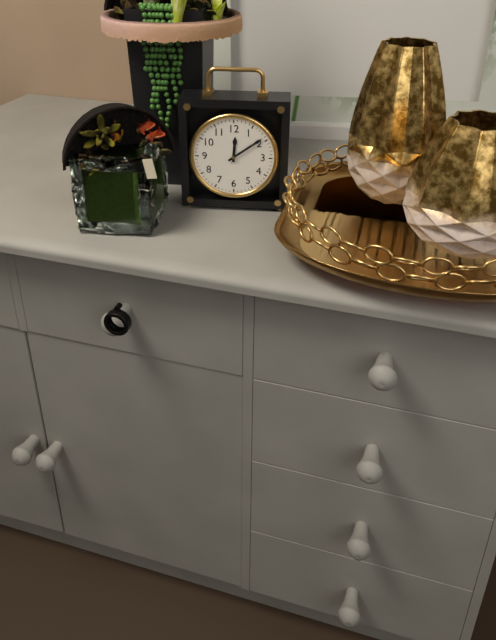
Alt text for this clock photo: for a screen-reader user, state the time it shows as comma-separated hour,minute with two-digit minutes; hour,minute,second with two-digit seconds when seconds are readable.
12,09
